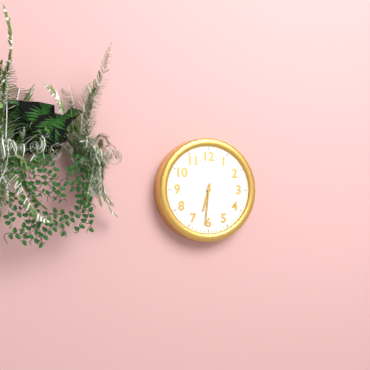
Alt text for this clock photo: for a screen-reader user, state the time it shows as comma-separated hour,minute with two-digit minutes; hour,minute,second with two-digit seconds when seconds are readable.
6,31
